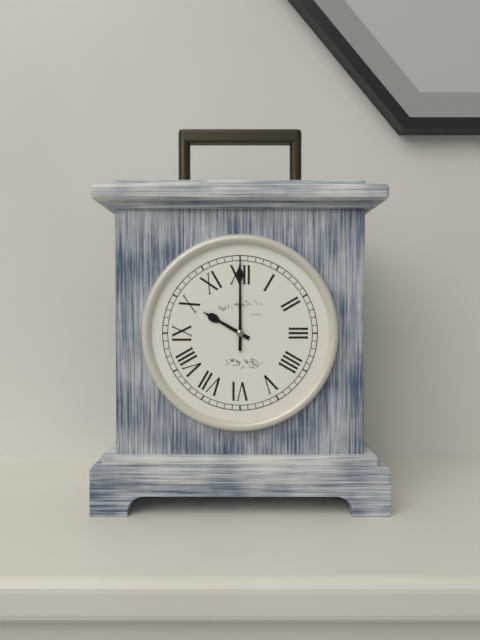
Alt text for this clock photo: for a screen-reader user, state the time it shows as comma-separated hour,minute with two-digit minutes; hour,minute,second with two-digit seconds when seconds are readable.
10,00
